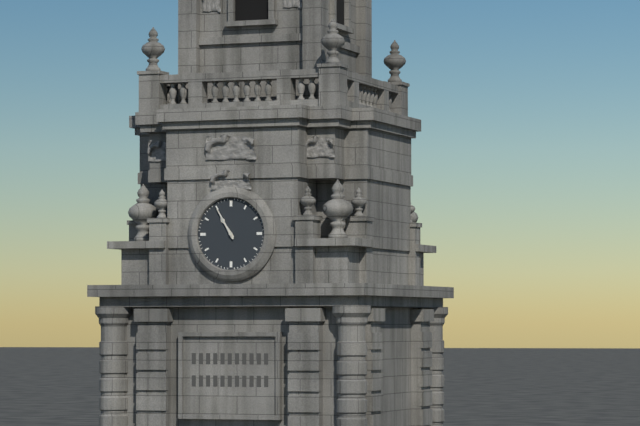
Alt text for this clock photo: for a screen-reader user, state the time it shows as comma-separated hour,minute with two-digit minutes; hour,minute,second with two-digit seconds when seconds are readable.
10,55
